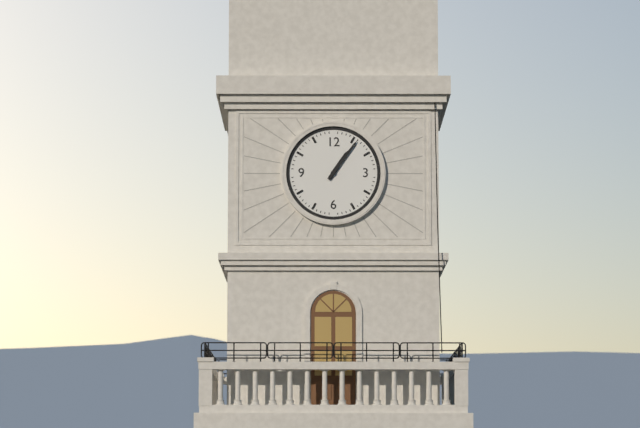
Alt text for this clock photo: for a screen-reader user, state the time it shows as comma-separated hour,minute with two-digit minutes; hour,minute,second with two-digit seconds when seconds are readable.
1,06
